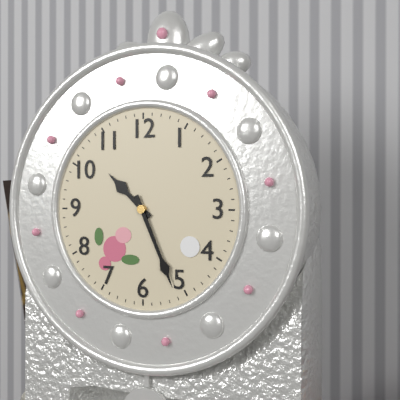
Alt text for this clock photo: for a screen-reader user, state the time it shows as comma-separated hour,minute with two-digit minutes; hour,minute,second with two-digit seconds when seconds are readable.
10,26
